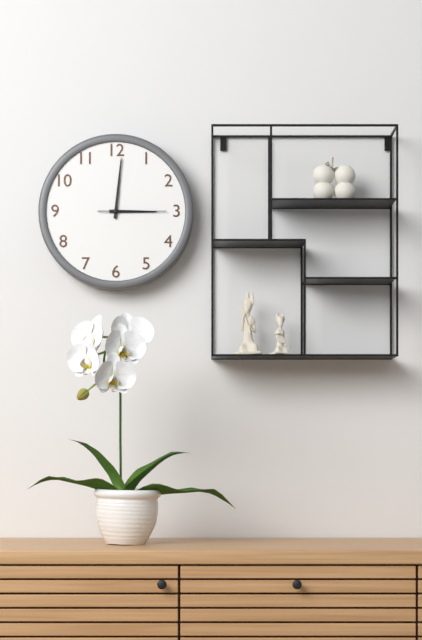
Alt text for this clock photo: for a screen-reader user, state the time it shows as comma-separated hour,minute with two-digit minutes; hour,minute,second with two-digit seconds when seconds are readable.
3,01,15
